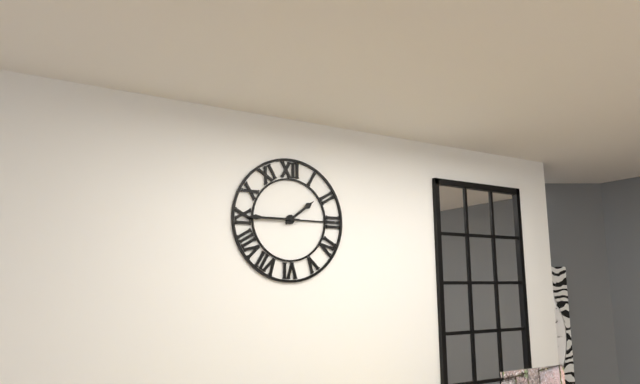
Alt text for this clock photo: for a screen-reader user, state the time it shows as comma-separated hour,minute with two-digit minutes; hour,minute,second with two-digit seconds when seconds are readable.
1,45
